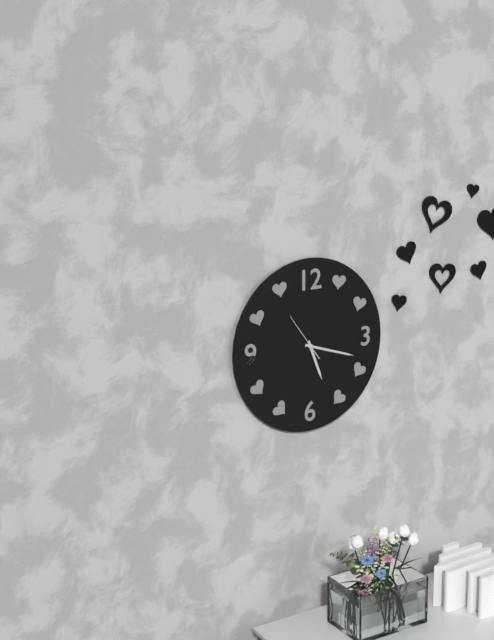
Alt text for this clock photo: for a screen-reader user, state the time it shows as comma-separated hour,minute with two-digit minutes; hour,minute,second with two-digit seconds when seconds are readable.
5,18
